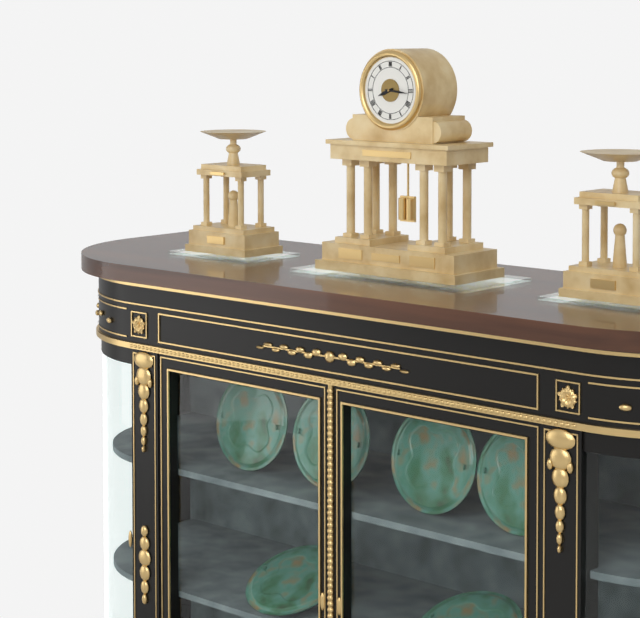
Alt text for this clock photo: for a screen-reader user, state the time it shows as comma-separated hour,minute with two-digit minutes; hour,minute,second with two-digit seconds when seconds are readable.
8,16
